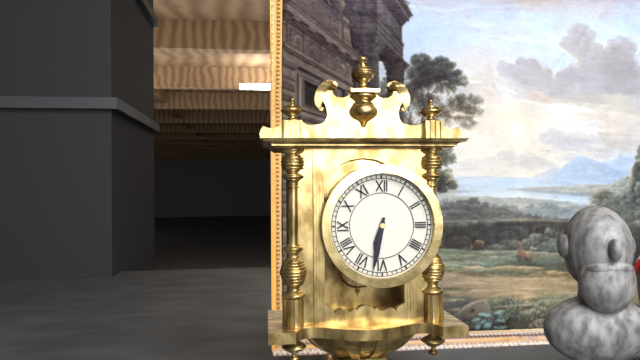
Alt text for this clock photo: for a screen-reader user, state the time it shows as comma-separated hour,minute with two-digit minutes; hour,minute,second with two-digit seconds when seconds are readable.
6,32
